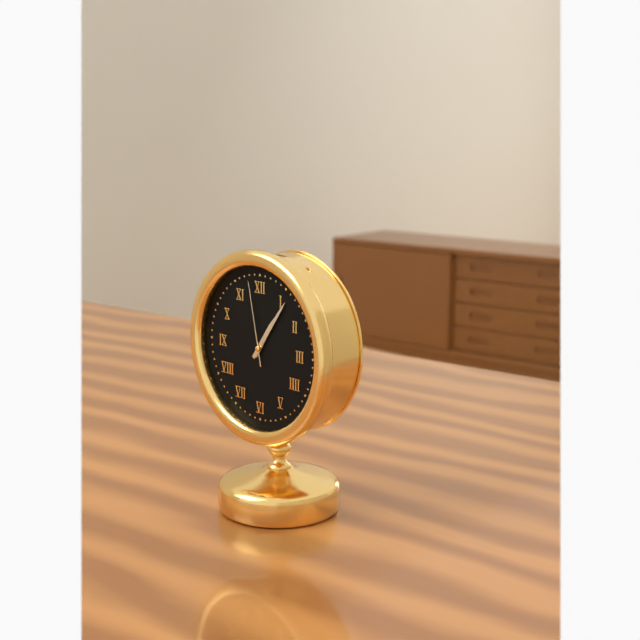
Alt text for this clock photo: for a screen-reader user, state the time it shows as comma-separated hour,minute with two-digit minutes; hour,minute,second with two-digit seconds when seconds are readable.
1,06,58
